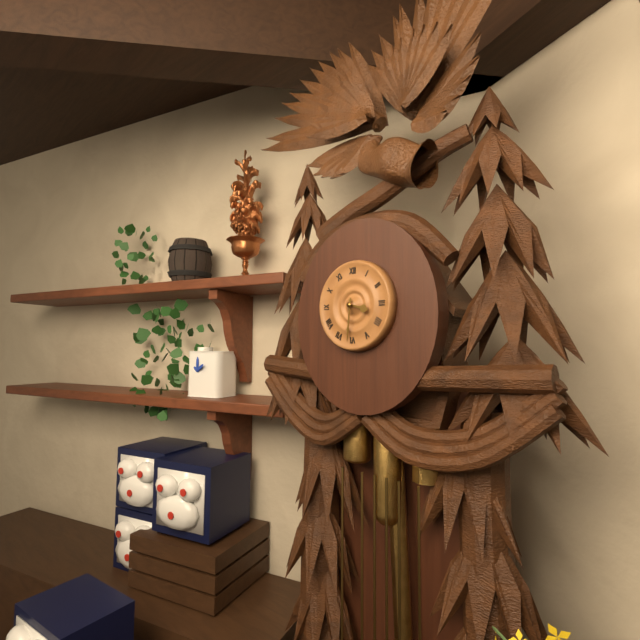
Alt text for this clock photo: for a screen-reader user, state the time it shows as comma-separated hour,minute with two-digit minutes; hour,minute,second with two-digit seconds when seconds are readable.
3,31
